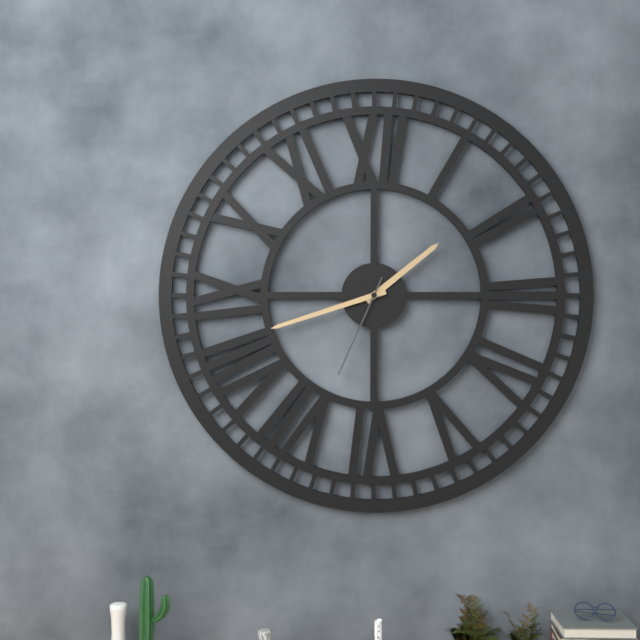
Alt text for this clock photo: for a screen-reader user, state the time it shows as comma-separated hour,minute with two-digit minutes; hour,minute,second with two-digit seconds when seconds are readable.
1,42,34
